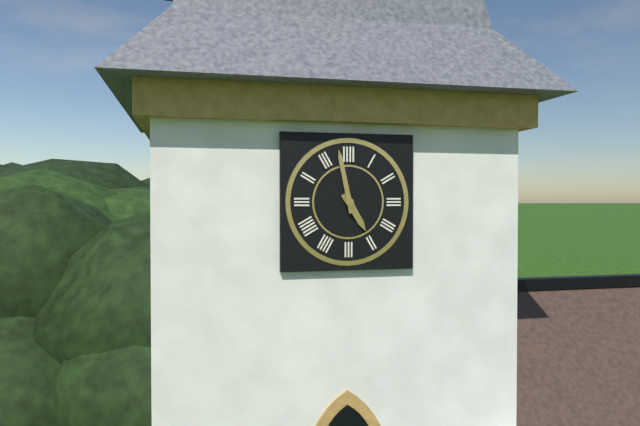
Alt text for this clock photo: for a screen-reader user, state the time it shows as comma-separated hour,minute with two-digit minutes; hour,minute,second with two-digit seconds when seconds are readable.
4,58
